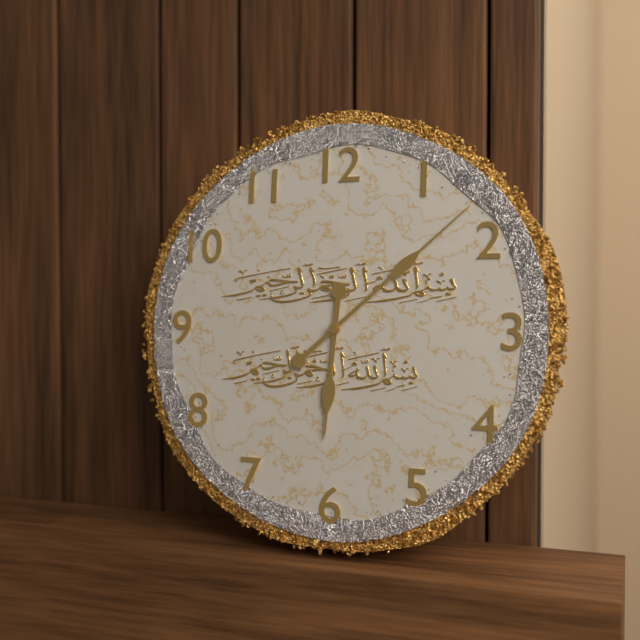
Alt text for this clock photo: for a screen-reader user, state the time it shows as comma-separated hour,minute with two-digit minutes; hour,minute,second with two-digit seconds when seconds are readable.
6,08
